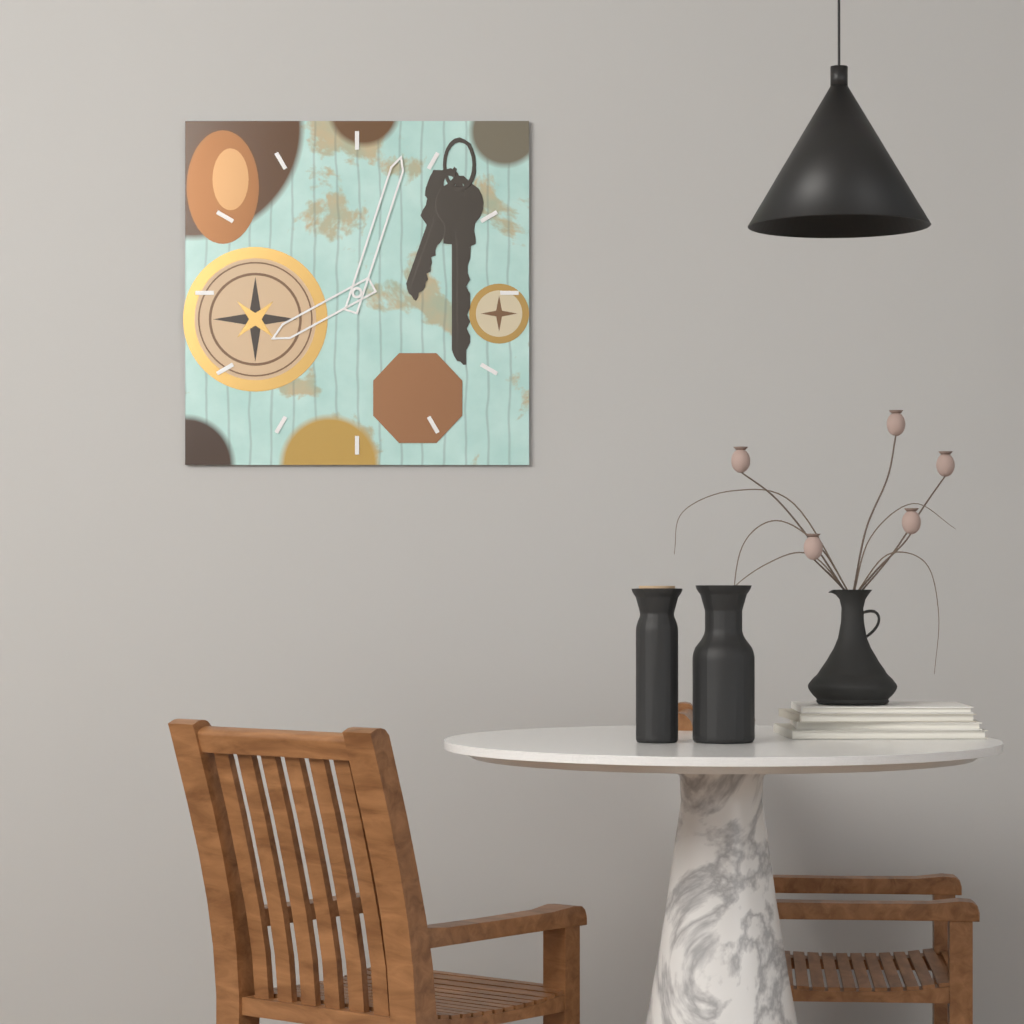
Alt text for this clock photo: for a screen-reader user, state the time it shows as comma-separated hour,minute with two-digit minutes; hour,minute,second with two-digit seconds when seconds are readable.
8,03
